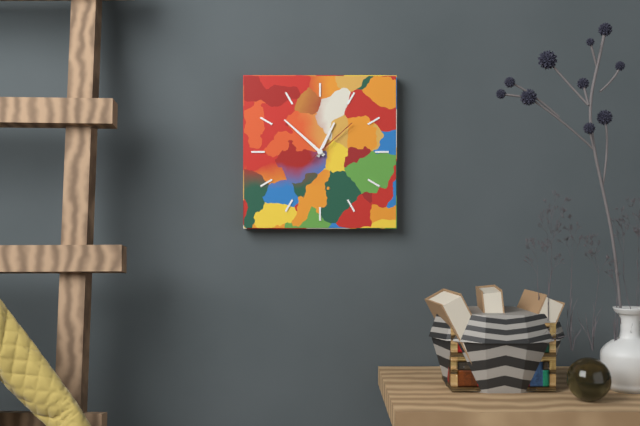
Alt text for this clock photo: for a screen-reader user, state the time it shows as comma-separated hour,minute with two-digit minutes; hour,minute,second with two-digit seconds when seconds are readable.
12,52,08
